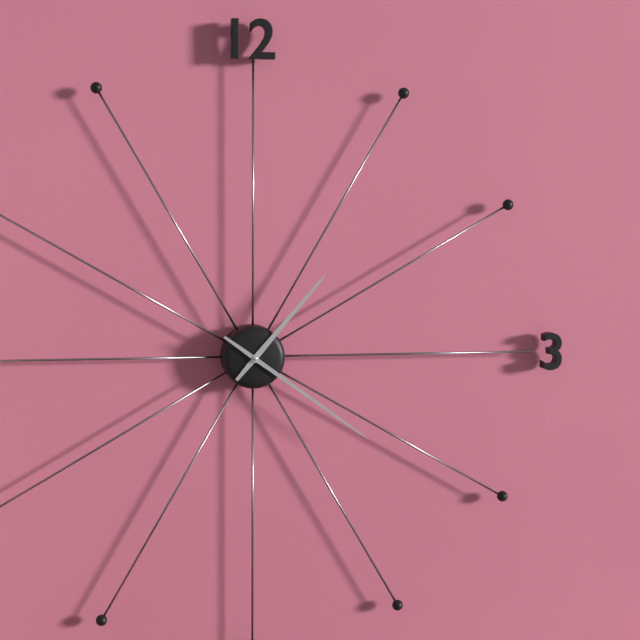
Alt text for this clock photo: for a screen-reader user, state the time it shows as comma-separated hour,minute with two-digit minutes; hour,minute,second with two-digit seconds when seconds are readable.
1,21
